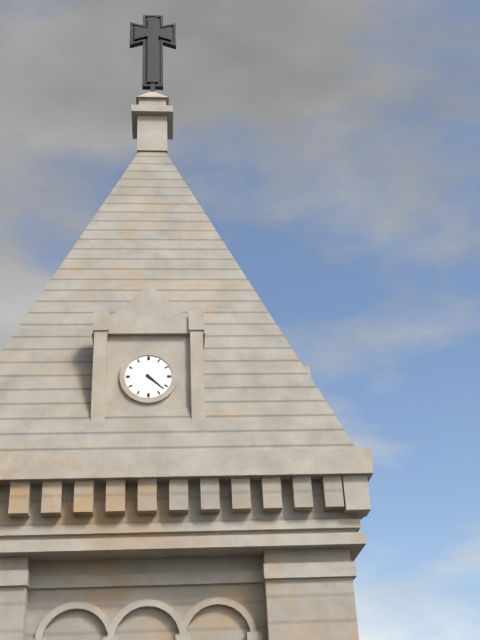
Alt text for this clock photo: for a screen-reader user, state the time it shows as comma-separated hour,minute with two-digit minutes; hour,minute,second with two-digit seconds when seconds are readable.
4,22
